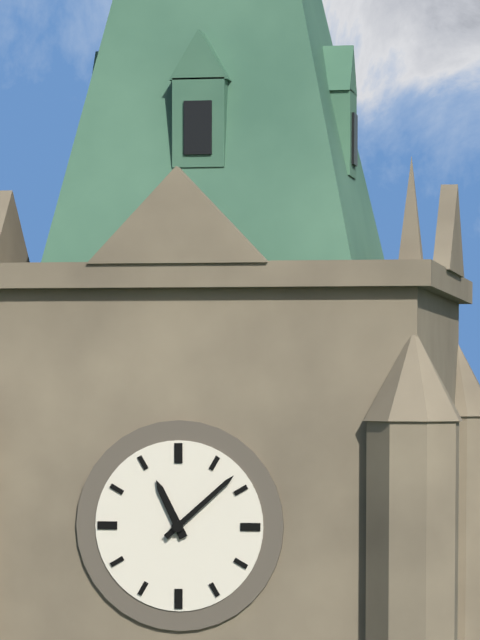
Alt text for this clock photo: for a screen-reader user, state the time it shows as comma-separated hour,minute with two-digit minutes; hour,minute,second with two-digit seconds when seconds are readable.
11,08
